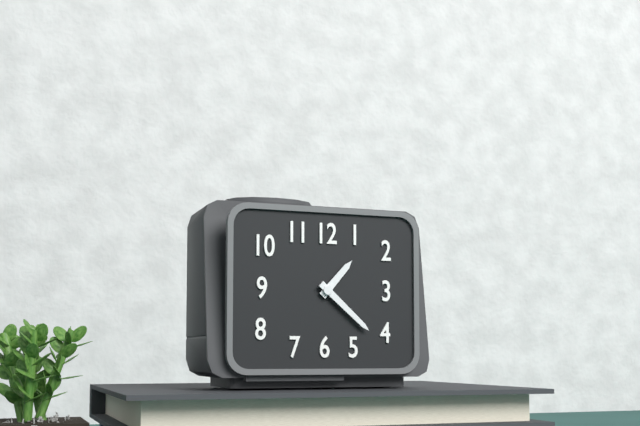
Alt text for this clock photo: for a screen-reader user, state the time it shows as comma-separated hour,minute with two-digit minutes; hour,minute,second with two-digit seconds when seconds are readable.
1,22
